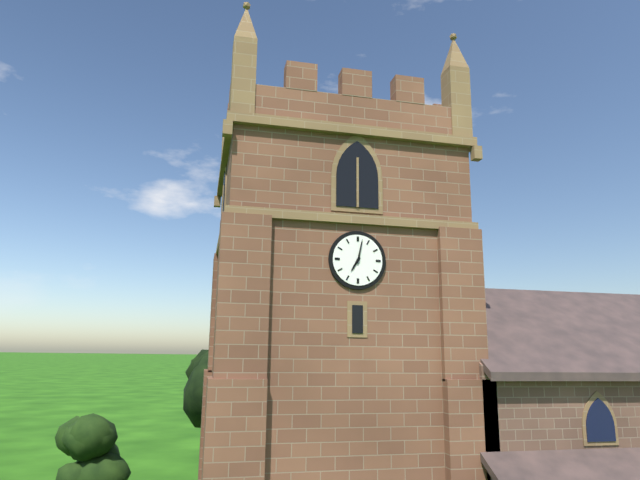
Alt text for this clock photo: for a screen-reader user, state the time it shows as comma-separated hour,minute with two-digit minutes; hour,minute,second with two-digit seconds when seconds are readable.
7,02
